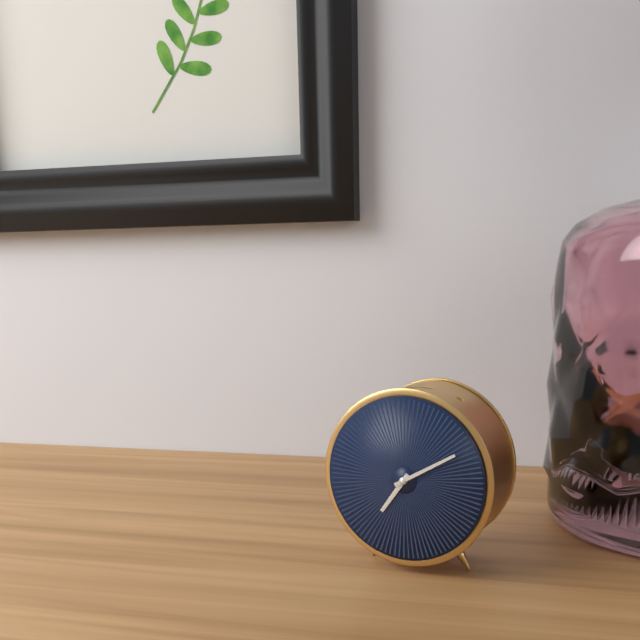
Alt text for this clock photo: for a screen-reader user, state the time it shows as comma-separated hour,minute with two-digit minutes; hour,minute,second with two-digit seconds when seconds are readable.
7,10
